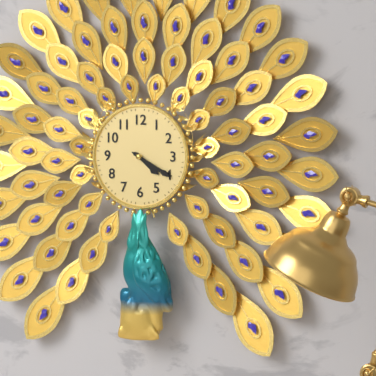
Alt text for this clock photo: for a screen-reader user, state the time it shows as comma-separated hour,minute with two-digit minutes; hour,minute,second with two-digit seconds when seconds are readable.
4,20
